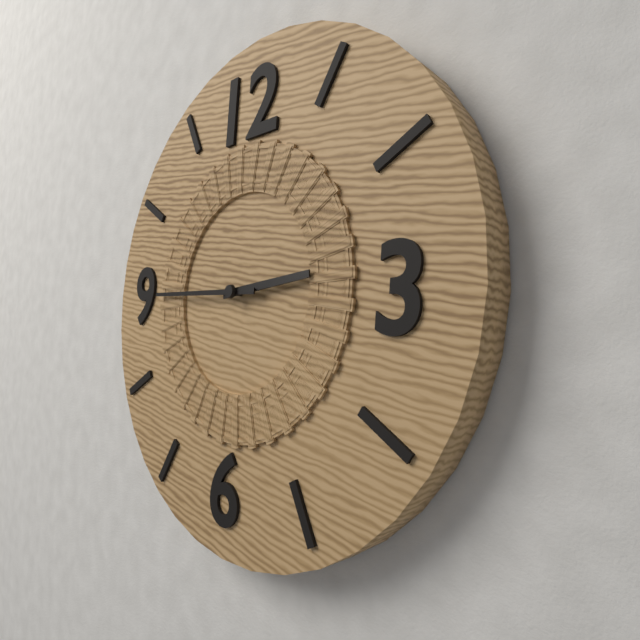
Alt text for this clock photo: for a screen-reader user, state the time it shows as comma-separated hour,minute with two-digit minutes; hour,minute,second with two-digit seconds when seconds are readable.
2,45
